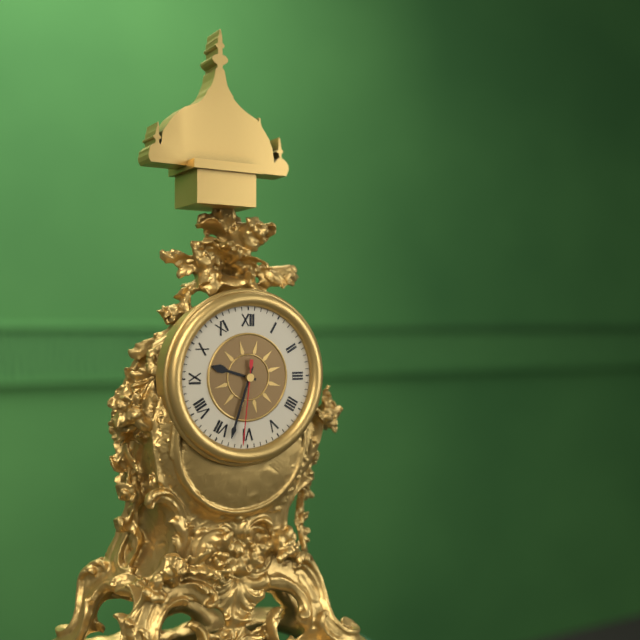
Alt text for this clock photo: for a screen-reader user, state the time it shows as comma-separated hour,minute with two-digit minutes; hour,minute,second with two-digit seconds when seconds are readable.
9,33,31
